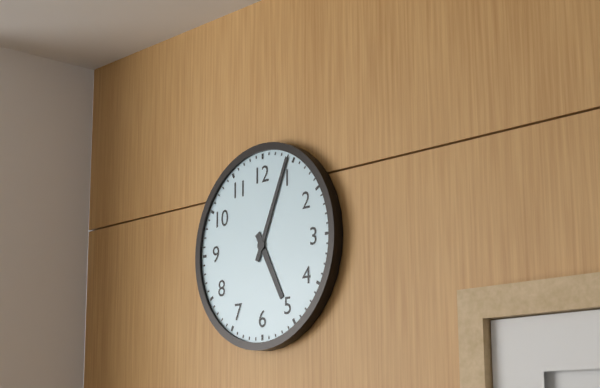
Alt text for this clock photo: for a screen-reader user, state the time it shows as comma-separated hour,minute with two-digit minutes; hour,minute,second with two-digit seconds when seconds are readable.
5,04
